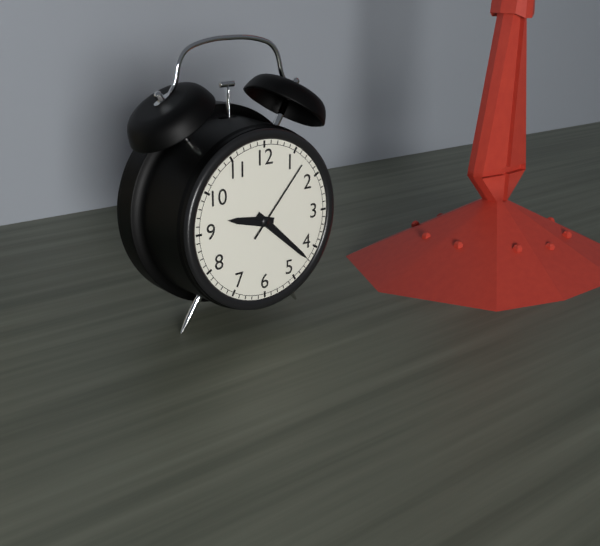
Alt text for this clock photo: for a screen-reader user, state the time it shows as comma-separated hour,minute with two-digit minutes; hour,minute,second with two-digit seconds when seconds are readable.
9,22,07
